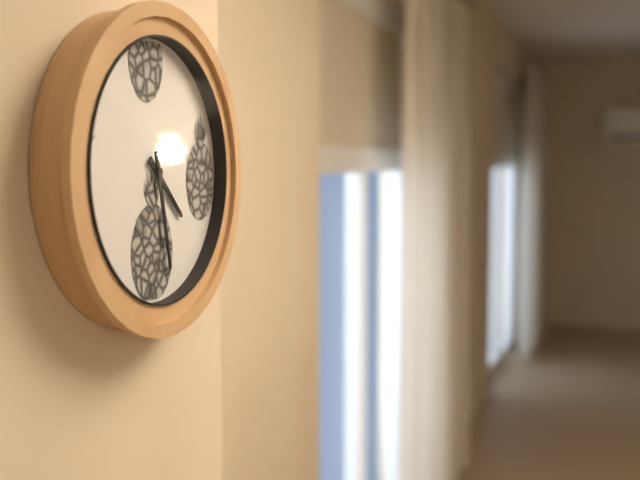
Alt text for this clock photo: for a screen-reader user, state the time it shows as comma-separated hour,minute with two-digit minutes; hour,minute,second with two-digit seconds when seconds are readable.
4,28
